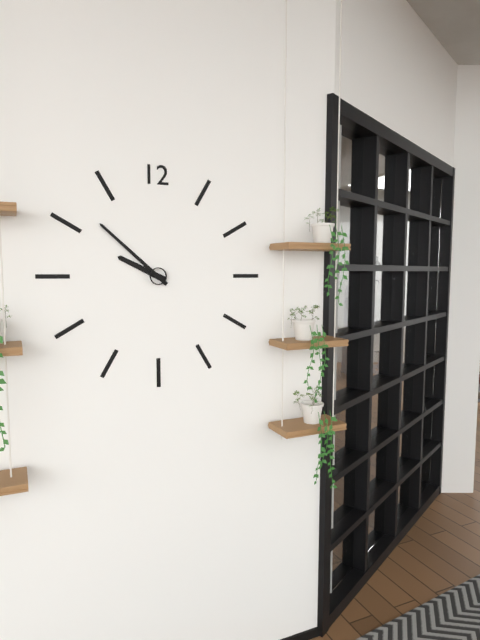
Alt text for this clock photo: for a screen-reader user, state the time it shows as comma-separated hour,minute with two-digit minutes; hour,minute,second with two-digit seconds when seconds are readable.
9,52
